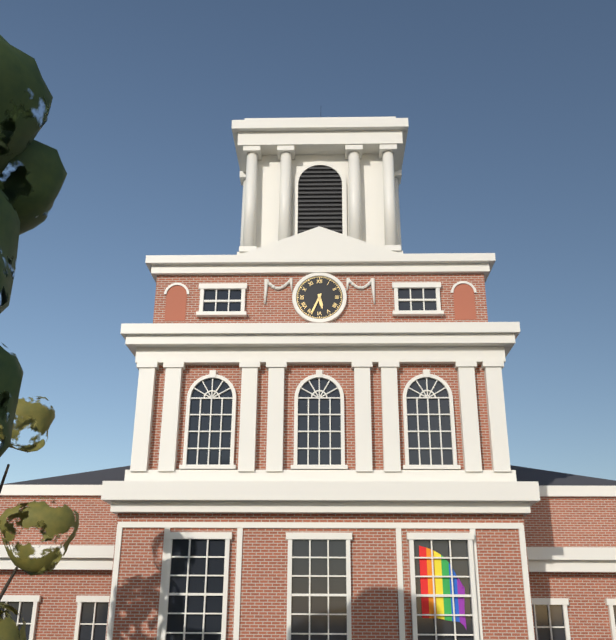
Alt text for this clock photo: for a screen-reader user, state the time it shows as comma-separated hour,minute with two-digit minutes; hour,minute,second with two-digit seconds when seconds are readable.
5,34
